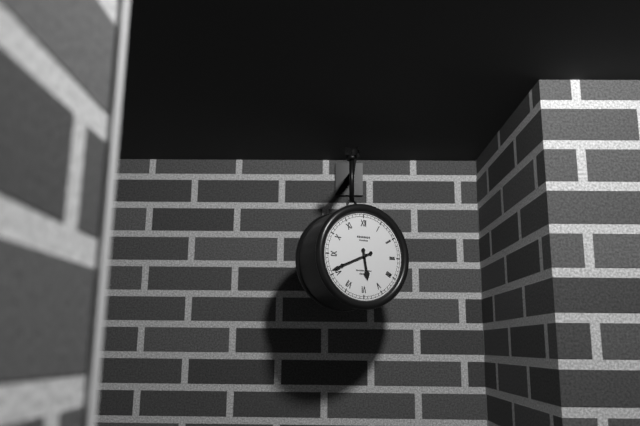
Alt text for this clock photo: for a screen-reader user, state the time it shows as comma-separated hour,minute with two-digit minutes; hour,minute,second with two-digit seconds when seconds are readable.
5,41
